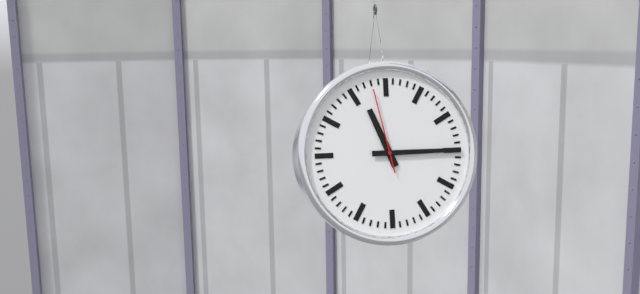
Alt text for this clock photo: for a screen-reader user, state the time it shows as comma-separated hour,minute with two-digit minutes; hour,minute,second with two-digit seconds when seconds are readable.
11,15,58
